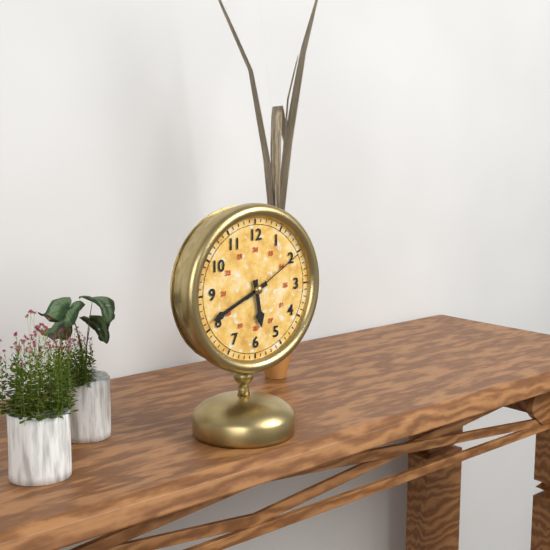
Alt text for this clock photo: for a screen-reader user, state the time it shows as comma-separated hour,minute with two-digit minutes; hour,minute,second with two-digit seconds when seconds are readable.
5,41,10
